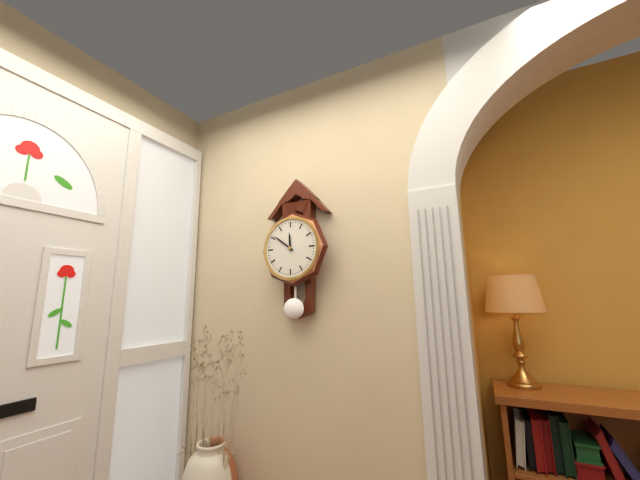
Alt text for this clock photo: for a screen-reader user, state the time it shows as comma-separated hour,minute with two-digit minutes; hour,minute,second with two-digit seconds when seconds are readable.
11,51
